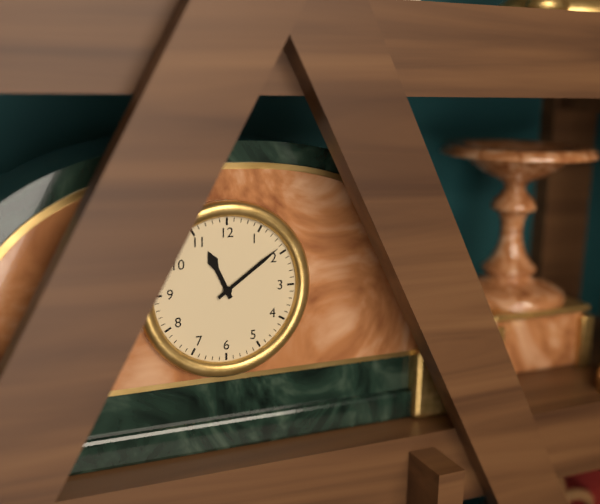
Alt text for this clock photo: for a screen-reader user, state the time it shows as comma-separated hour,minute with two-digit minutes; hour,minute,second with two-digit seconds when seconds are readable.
11,09
